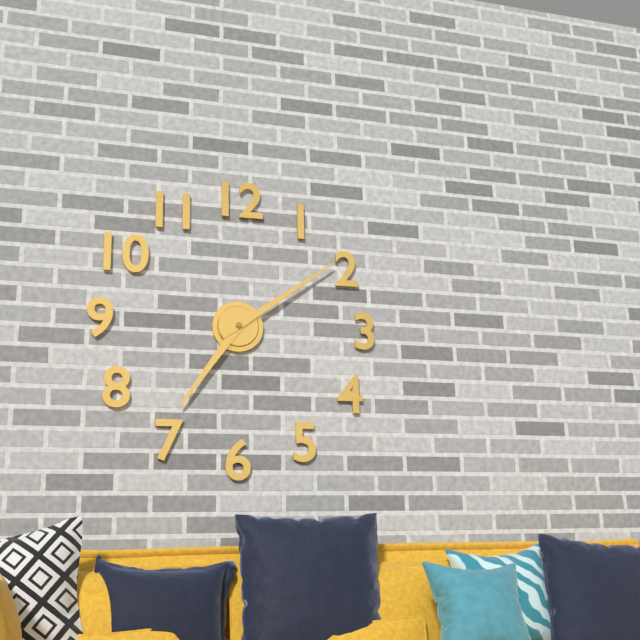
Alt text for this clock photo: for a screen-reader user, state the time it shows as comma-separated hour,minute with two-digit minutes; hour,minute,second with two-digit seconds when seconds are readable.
7,09
